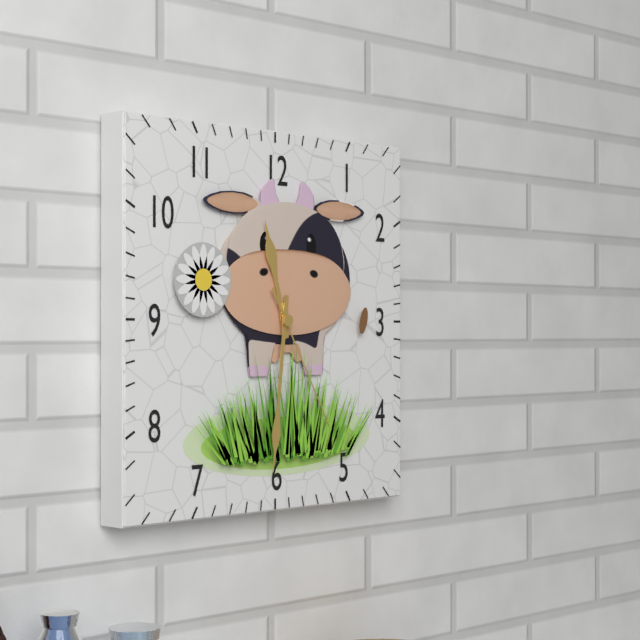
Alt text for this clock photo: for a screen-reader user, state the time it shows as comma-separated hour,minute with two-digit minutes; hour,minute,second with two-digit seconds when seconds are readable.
11,31,25
